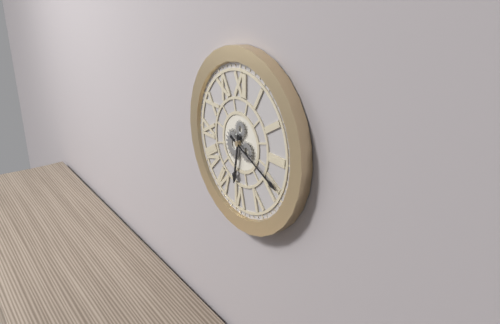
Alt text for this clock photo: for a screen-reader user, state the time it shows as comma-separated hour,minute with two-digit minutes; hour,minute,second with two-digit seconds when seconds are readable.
6,19
